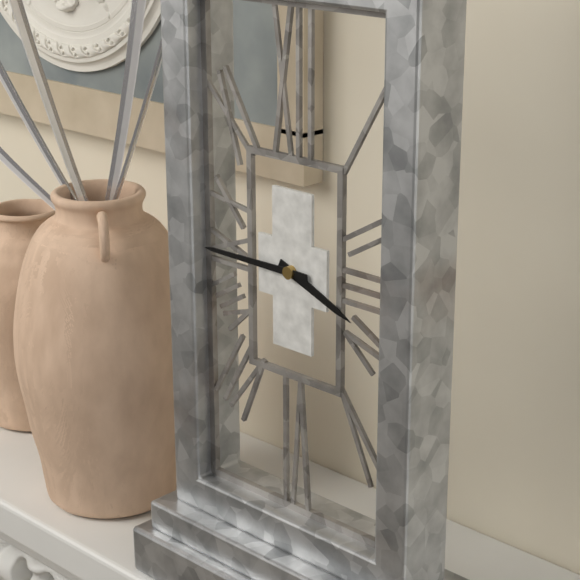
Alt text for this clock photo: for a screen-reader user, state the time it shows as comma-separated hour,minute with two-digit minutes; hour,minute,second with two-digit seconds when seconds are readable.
3,45
